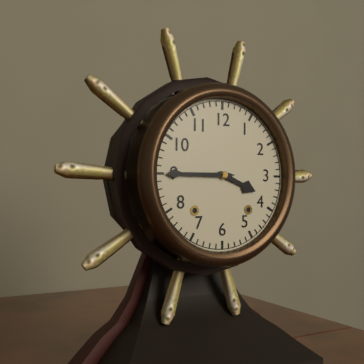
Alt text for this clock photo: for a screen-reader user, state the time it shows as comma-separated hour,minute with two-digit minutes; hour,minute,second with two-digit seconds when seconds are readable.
3,45
